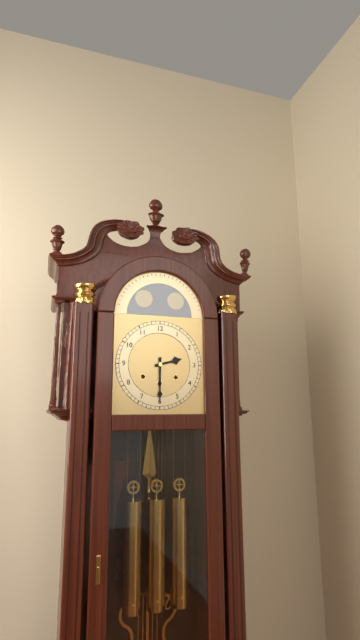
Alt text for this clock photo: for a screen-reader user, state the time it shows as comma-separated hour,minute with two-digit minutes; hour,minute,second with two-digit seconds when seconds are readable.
2,30
